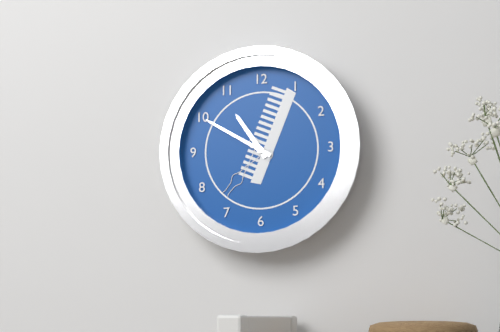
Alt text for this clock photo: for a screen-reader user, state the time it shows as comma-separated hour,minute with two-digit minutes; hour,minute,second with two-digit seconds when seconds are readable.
10,50
